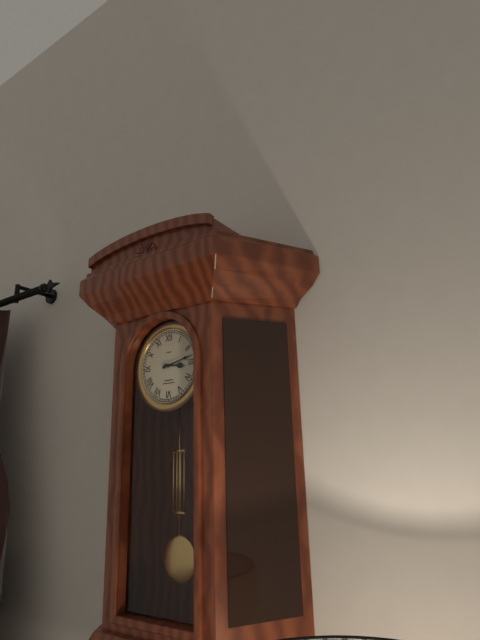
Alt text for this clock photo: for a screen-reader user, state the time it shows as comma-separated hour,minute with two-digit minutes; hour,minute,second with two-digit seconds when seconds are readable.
3,13
